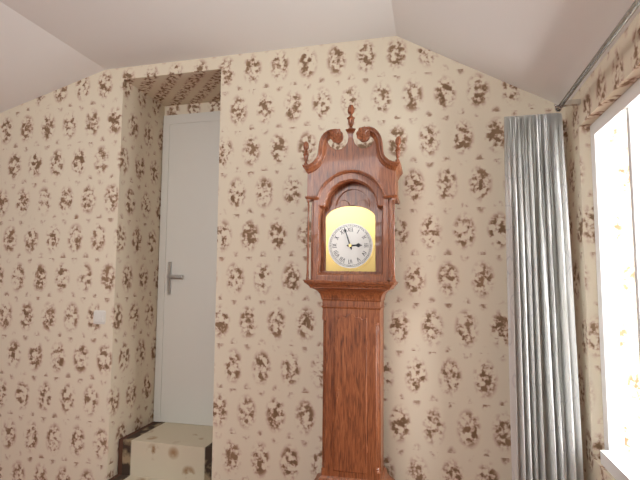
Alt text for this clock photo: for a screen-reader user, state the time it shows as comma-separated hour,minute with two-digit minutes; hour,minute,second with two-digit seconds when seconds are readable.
2,57
